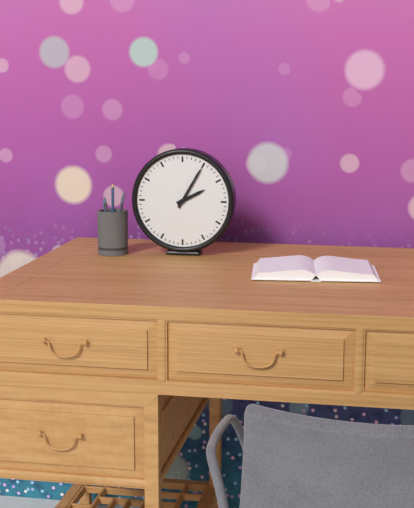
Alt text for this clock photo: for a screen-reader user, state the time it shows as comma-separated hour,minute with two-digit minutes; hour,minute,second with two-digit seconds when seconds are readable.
2,05
